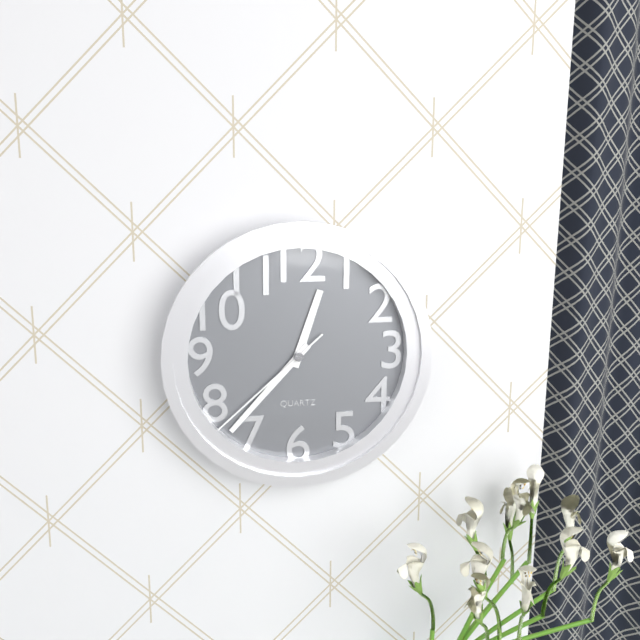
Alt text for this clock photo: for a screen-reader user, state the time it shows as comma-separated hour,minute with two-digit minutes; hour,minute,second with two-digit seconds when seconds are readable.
12,37,38
